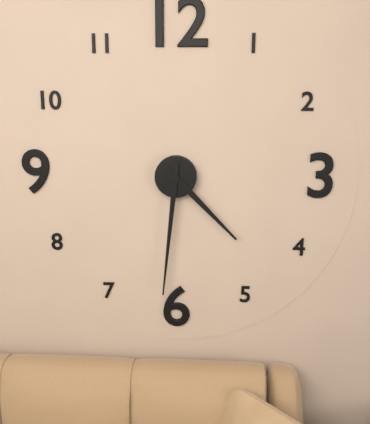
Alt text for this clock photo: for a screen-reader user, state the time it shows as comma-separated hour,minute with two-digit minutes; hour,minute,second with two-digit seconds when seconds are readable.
4,31
